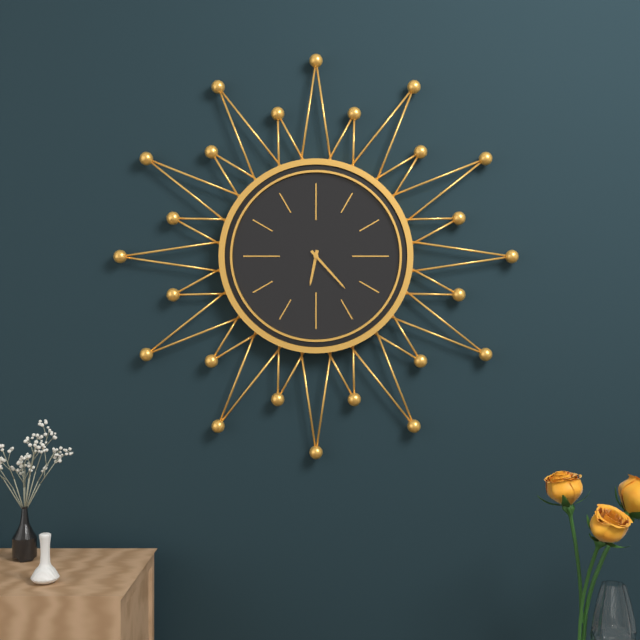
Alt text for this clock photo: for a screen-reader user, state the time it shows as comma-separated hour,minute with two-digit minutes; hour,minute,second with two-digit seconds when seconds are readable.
6,23
